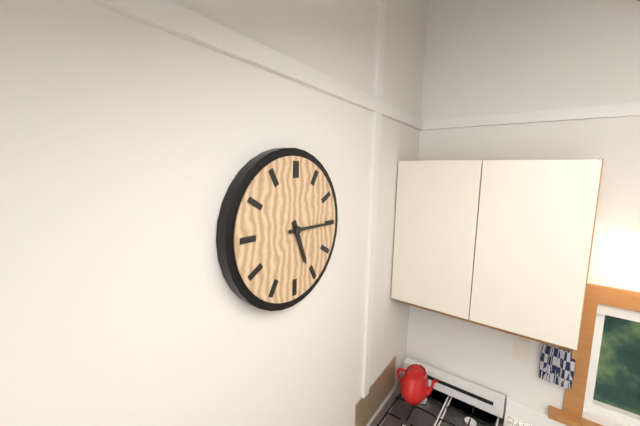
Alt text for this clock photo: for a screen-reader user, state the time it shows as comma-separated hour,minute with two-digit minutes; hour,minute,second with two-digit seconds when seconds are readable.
5,15
